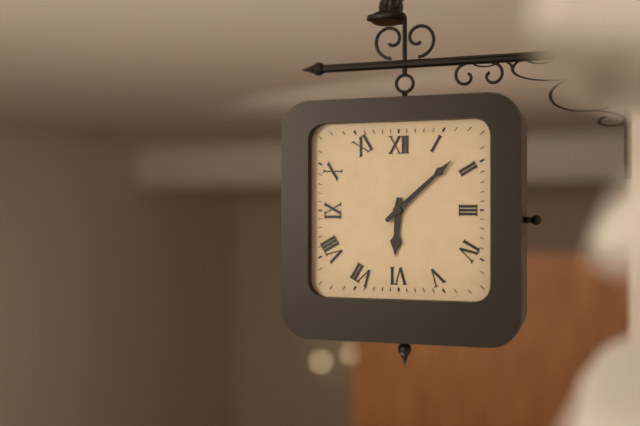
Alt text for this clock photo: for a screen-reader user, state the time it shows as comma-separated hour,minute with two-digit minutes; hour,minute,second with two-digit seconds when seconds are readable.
6,08
